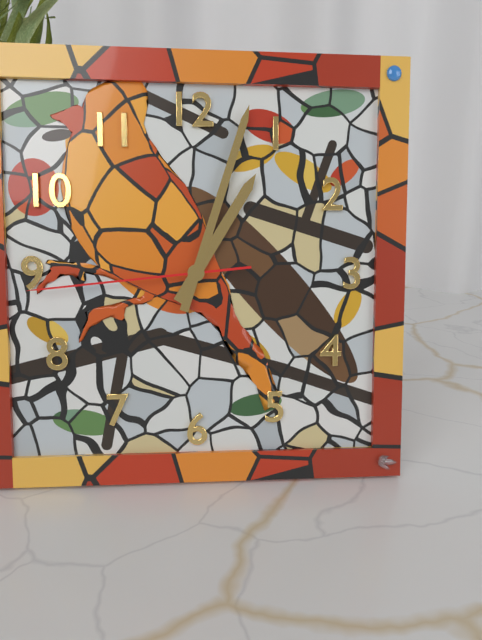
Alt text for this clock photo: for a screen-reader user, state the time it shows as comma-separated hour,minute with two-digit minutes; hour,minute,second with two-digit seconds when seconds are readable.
1,03,44
